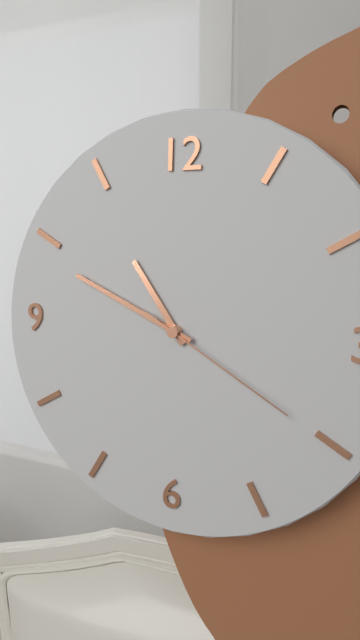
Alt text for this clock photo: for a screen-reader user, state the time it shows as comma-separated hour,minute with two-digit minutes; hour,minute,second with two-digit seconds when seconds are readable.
10,49,20
